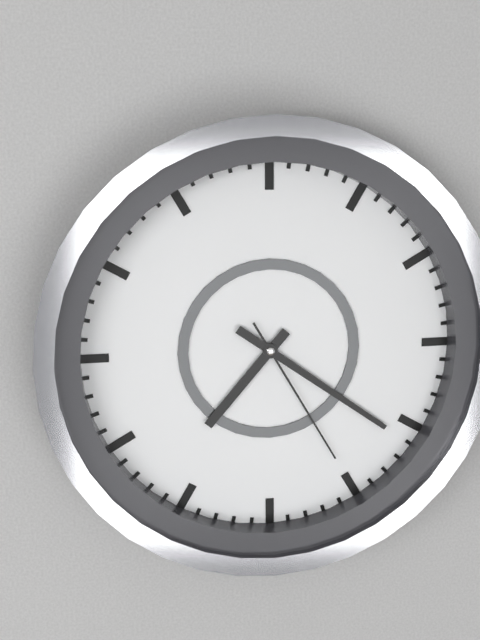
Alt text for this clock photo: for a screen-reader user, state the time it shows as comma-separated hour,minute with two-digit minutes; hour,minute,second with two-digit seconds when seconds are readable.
7,21,25
